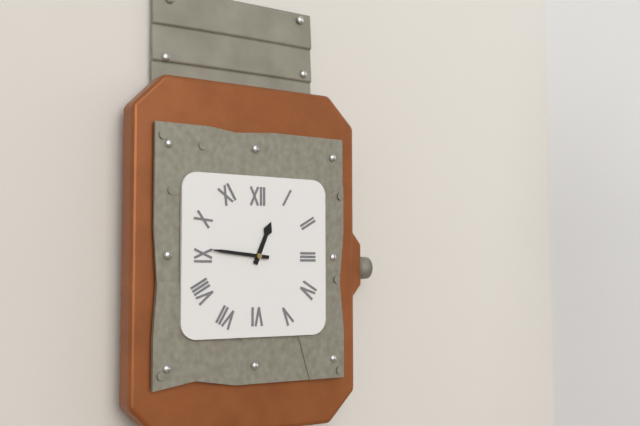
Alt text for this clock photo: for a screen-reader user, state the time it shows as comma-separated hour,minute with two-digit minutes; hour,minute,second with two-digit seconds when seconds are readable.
12,46
